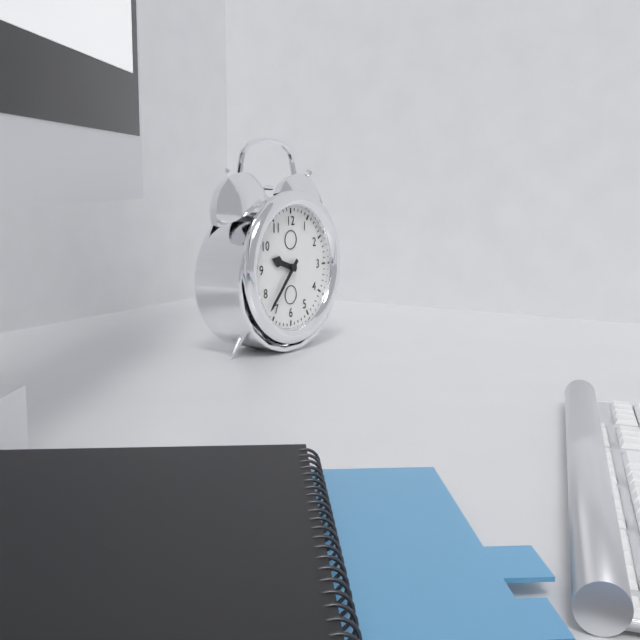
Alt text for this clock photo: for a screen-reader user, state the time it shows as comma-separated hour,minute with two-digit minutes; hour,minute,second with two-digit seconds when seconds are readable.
9,37
